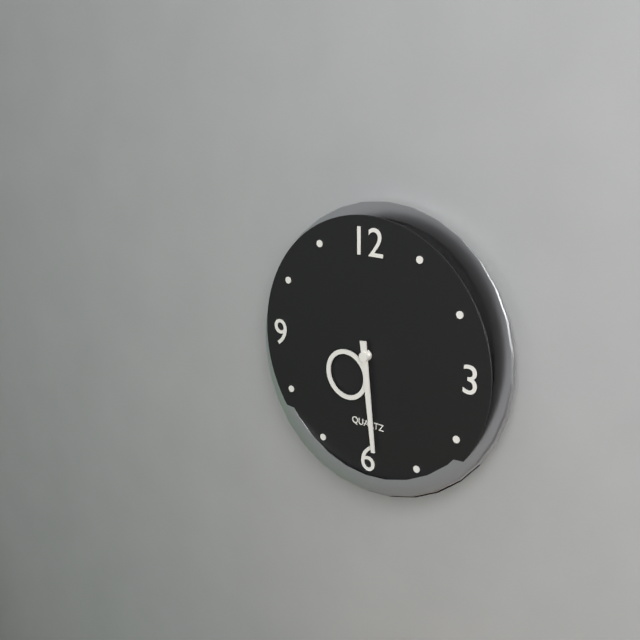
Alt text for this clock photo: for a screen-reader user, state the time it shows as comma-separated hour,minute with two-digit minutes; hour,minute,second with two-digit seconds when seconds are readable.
7,29
